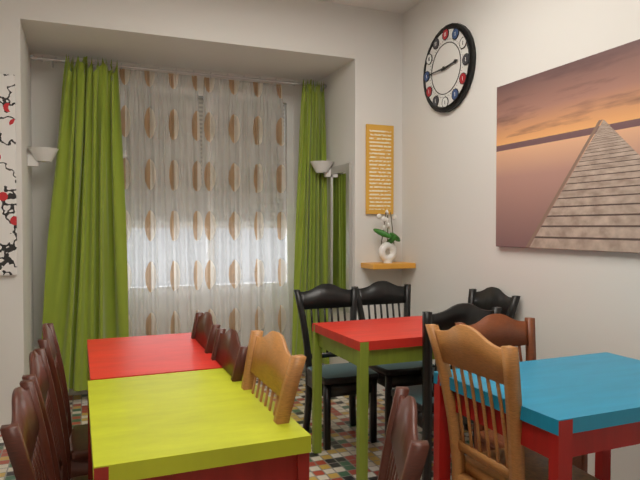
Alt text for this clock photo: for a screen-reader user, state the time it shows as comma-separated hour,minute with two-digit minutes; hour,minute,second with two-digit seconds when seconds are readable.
2,45
